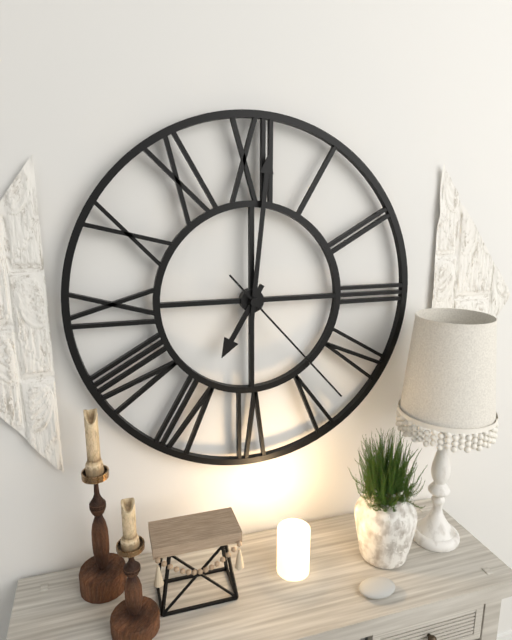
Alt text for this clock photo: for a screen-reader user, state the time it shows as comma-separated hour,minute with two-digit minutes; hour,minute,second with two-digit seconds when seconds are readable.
7,01,23
